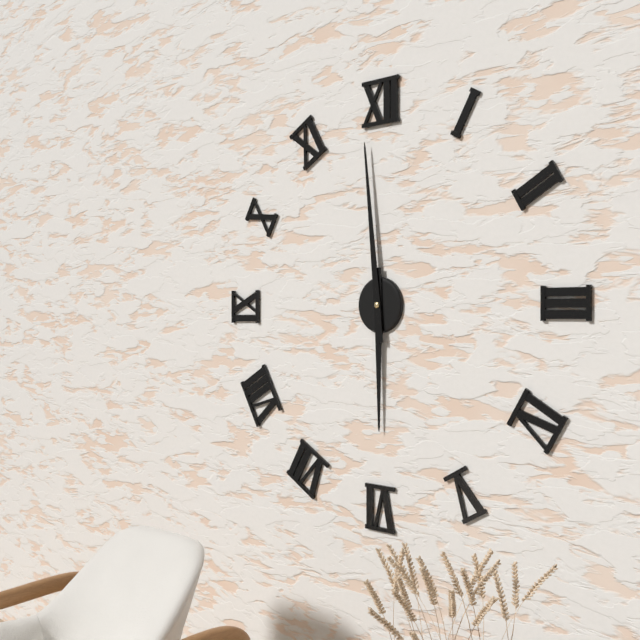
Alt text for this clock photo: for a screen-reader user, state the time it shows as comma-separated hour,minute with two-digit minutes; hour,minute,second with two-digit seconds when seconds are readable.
5,59
